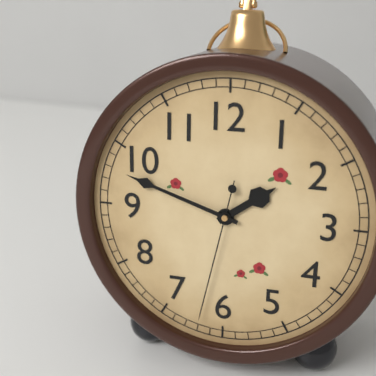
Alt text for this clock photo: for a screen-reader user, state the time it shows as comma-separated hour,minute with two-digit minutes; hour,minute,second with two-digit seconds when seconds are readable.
1,48,32
